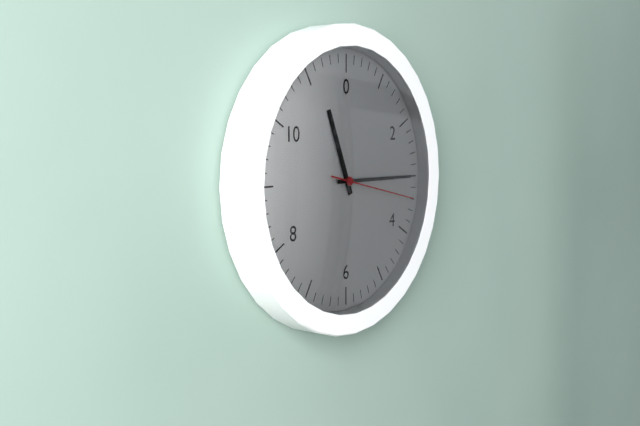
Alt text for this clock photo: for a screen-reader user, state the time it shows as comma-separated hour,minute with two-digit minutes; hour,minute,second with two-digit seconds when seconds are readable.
11,15,17
